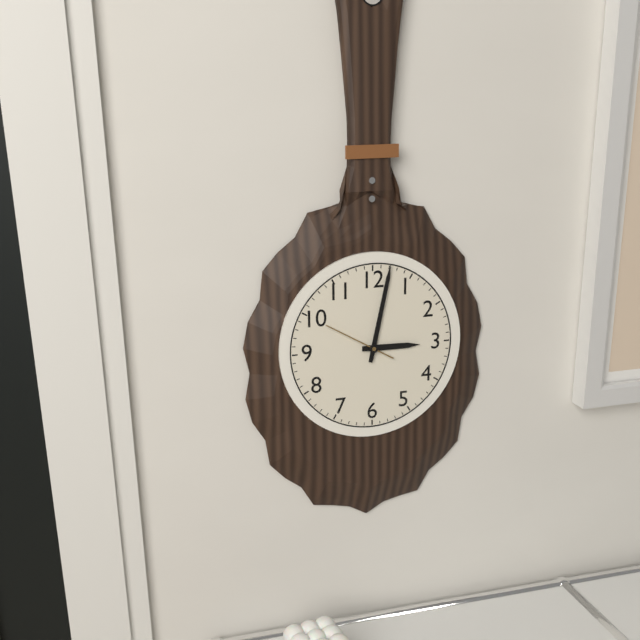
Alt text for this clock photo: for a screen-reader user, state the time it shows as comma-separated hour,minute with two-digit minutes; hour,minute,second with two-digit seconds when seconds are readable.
3,02,50
